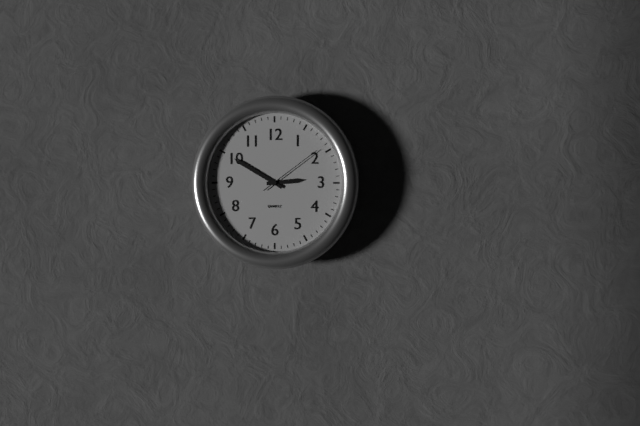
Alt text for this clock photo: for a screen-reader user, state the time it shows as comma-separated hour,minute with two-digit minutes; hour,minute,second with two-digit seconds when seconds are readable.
2,50,09
